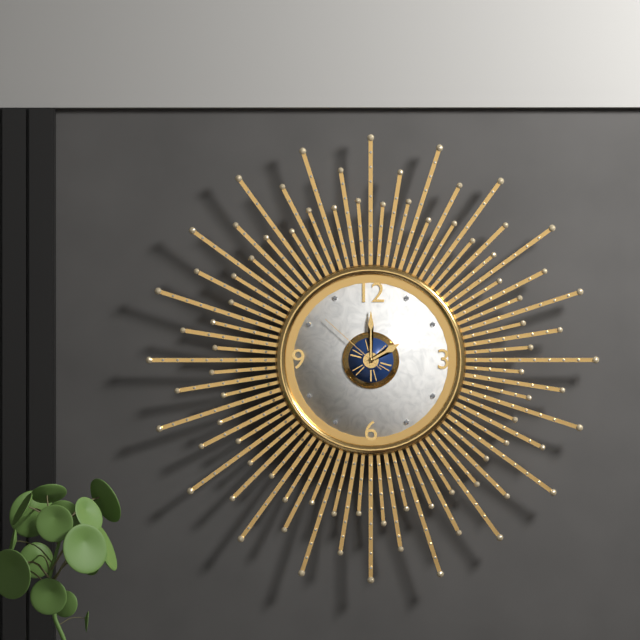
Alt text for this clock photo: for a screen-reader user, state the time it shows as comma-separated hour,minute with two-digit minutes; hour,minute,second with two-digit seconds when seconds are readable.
2,00,52
